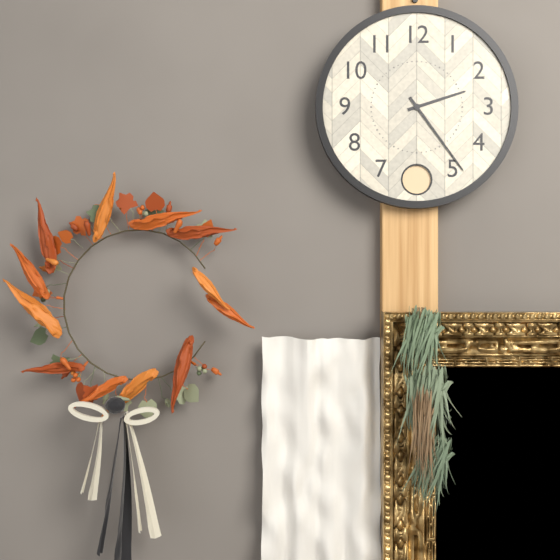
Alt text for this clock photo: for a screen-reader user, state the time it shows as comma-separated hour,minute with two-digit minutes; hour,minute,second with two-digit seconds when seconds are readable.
2,24
